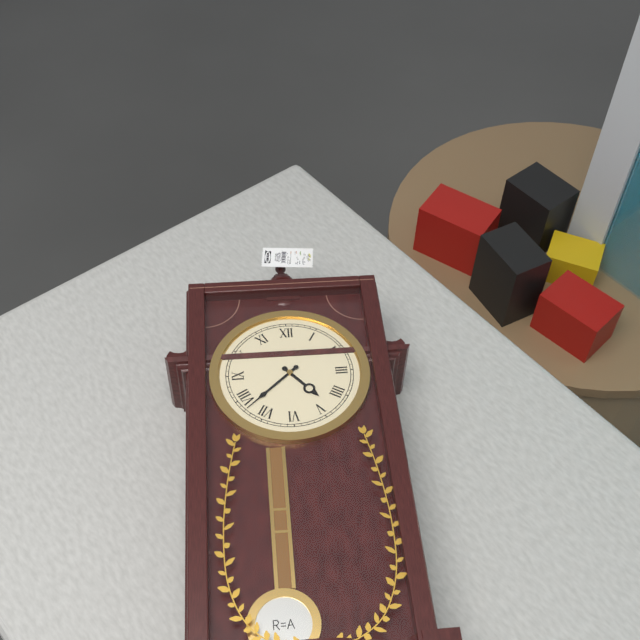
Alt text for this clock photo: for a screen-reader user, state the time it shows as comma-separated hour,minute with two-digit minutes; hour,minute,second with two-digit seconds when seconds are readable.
4,38
